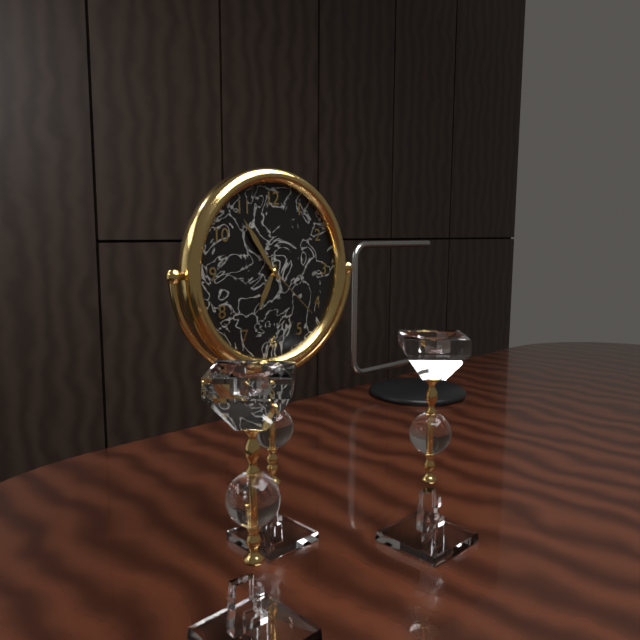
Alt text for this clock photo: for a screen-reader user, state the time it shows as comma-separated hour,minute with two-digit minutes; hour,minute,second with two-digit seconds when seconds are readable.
6,54,22
